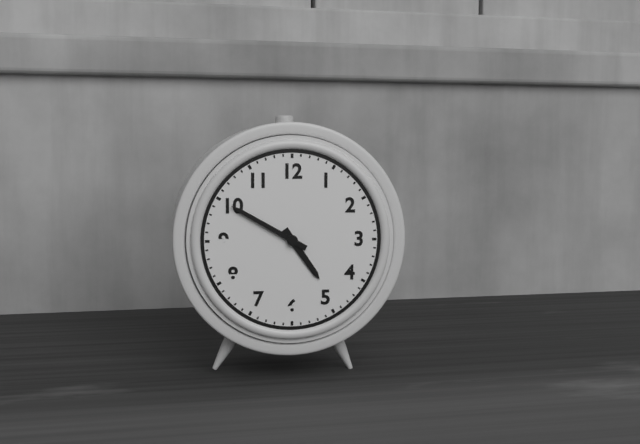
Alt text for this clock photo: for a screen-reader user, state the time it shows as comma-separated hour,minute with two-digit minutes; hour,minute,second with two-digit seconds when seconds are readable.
4,50
